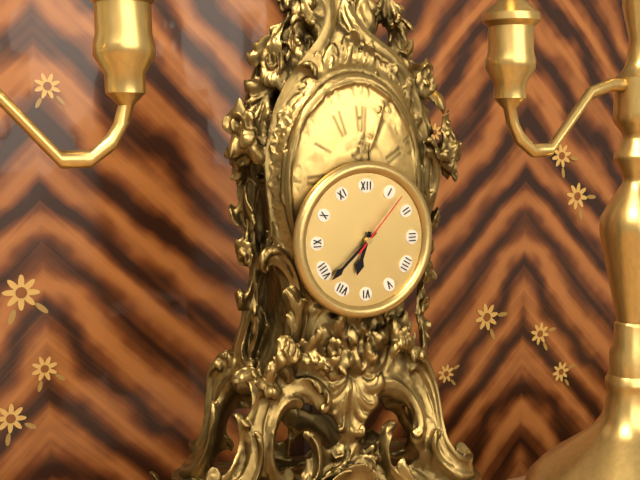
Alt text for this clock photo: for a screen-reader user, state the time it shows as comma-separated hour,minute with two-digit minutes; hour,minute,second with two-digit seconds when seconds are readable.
6,38,07
